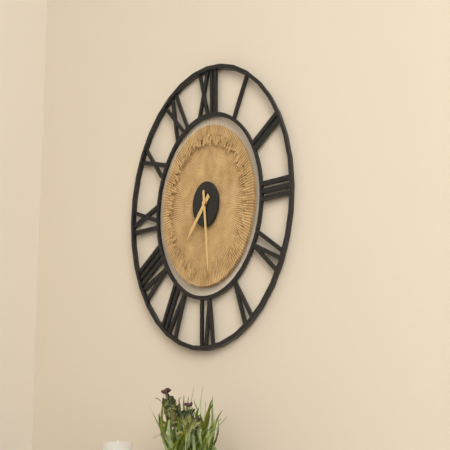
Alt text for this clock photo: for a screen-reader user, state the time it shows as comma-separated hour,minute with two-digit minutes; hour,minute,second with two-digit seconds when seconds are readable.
7,29
